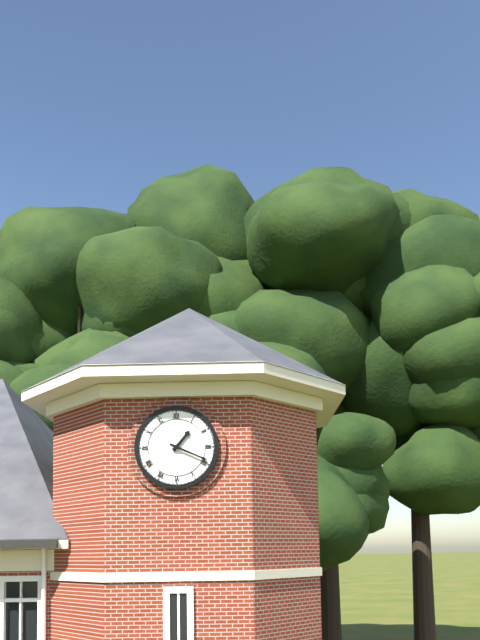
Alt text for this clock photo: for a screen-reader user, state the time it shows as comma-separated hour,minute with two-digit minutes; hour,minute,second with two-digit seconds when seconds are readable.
1,19
